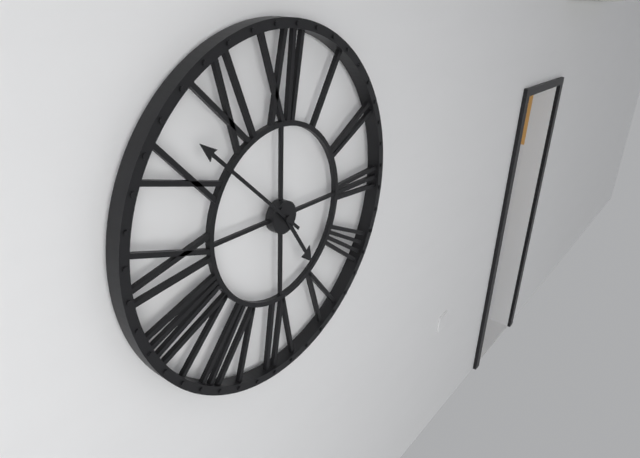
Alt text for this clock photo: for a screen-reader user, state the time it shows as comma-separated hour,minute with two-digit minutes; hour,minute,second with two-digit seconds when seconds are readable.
4,52
